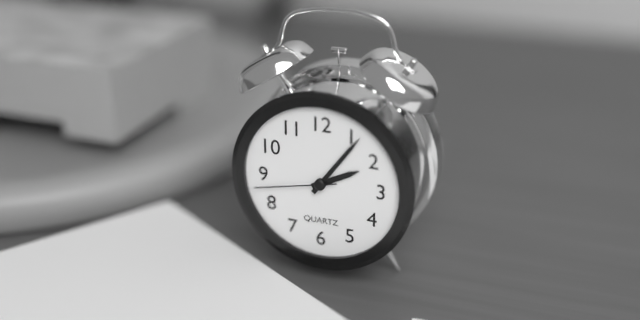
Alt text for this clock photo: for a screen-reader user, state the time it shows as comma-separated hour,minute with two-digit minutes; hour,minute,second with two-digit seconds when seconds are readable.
2,06,43
